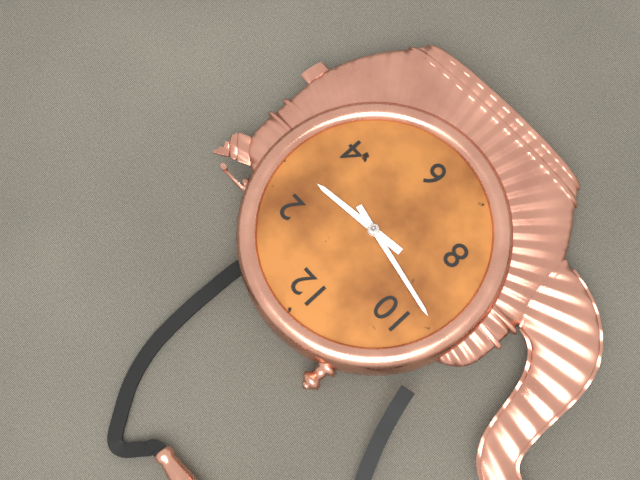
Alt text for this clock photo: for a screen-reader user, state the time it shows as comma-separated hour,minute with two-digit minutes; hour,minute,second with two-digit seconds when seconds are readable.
2,47
